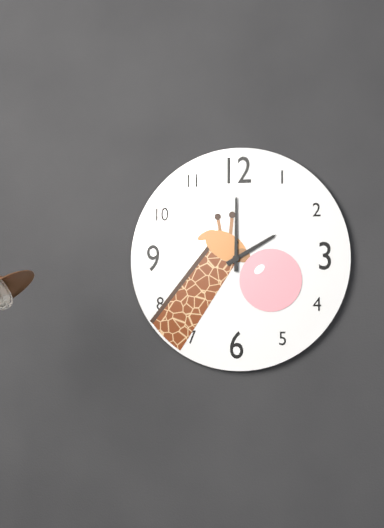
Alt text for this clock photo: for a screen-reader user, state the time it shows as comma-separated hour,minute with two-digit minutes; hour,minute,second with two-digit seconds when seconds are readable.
2,00
